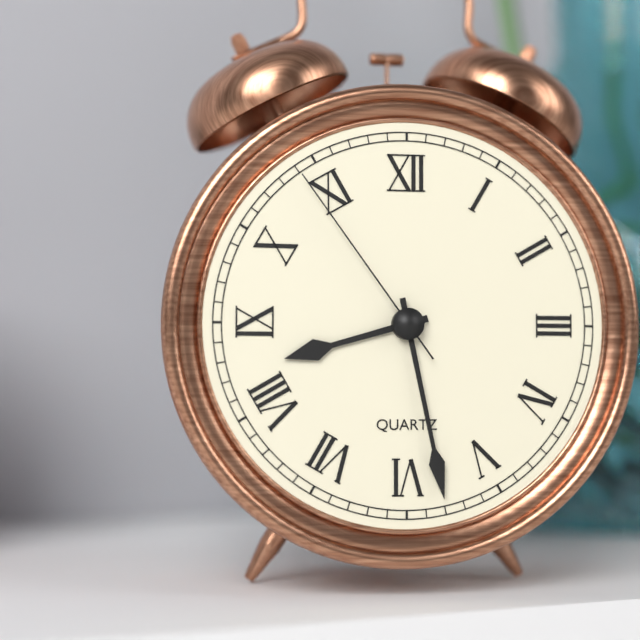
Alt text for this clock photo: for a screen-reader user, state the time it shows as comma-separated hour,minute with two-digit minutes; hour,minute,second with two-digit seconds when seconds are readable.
8,28,54
